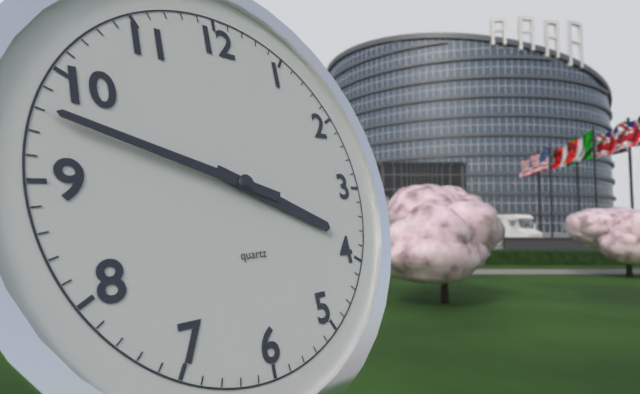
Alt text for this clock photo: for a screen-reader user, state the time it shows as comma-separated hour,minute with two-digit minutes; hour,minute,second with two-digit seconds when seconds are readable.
3,48
